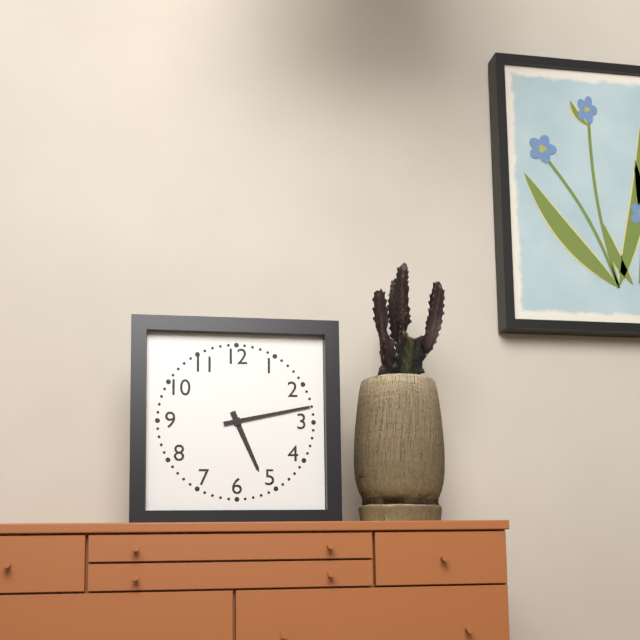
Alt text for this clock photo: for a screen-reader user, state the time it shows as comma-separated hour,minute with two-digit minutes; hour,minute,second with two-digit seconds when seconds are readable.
5,13
